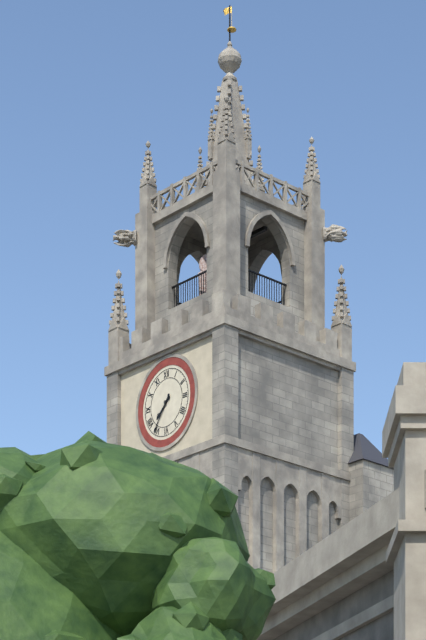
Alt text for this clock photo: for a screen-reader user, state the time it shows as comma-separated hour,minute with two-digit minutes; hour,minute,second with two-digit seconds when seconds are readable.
7,36
